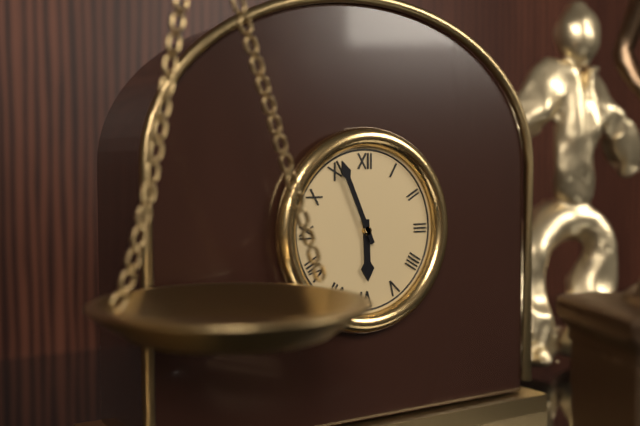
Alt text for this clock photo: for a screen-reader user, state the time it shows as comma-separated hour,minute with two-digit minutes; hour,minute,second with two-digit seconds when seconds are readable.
5,56
